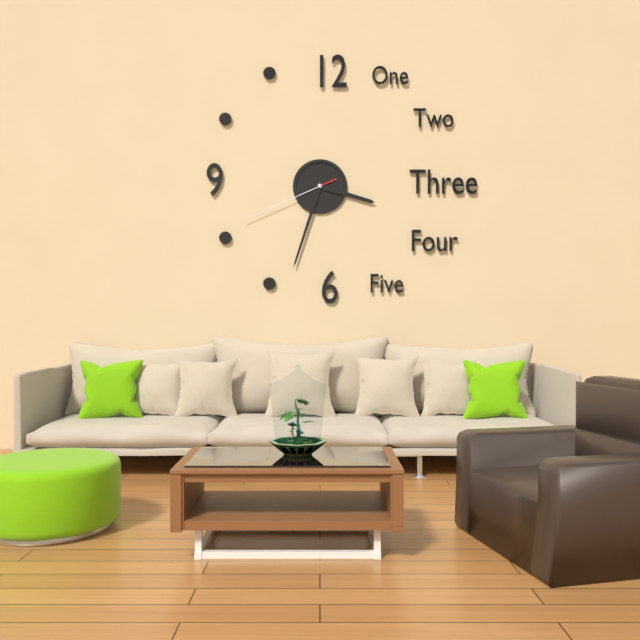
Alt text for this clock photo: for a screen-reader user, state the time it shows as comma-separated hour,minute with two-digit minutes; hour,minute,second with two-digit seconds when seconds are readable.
3,33,41
